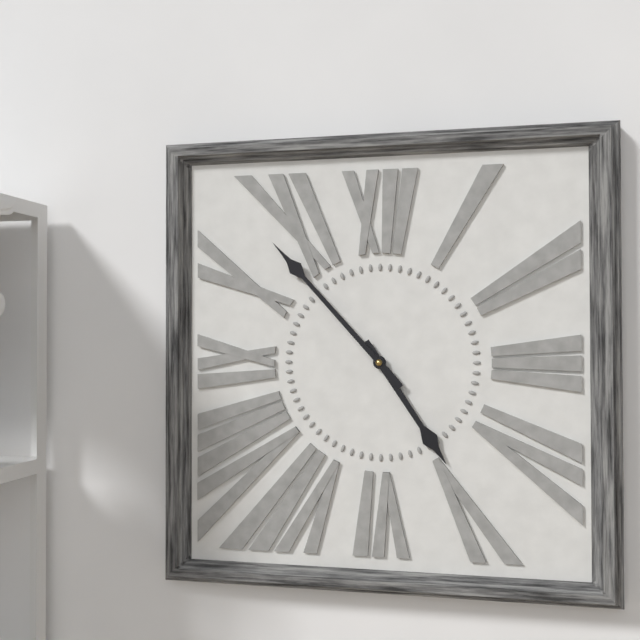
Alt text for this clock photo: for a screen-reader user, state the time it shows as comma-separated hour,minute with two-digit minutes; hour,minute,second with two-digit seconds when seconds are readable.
4,53
